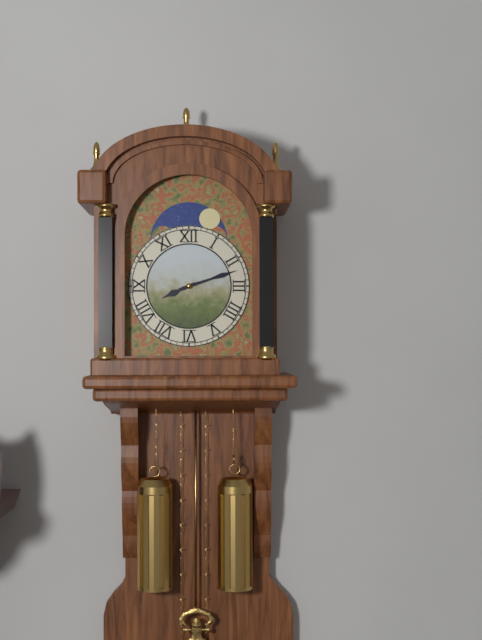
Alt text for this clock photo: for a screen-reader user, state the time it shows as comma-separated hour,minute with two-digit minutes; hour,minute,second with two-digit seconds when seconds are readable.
8,12
